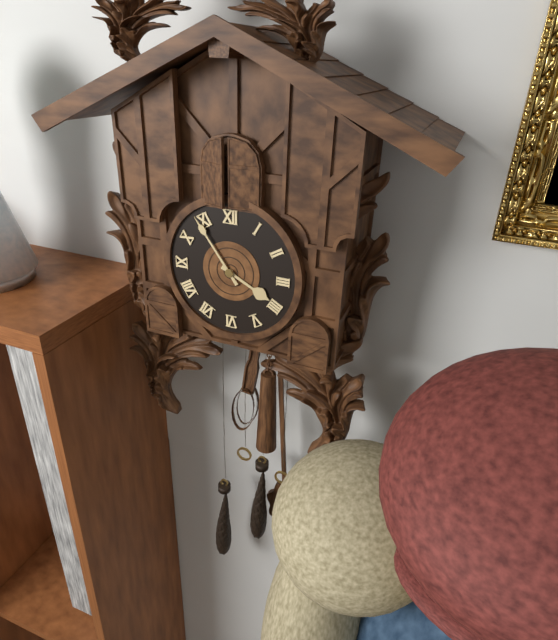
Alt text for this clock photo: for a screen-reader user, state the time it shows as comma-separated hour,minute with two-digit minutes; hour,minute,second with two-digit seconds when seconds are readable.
3,54
